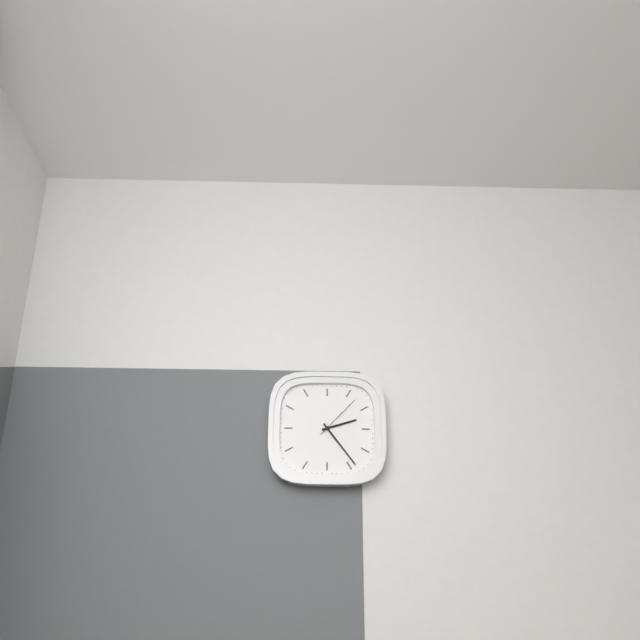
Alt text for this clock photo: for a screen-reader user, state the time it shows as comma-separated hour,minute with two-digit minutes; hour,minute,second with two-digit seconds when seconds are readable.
2,24
